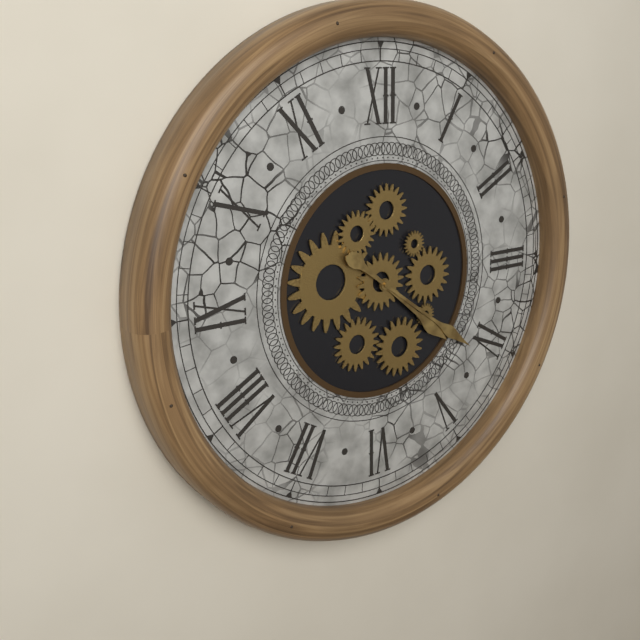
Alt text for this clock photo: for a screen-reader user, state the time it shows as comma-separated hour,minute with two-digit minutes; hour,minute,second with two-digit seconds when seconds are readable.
4,21
